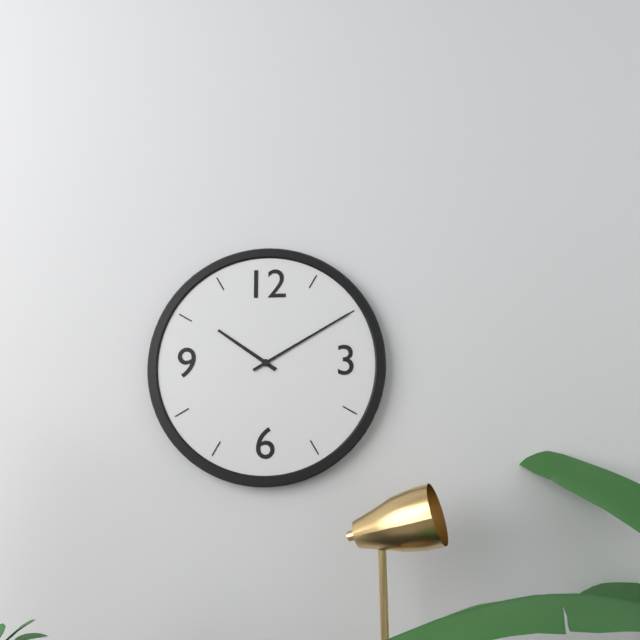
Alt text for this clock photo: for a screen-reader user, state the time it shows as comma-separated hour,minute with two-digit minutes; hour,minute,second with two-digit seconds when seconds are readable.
10,10
